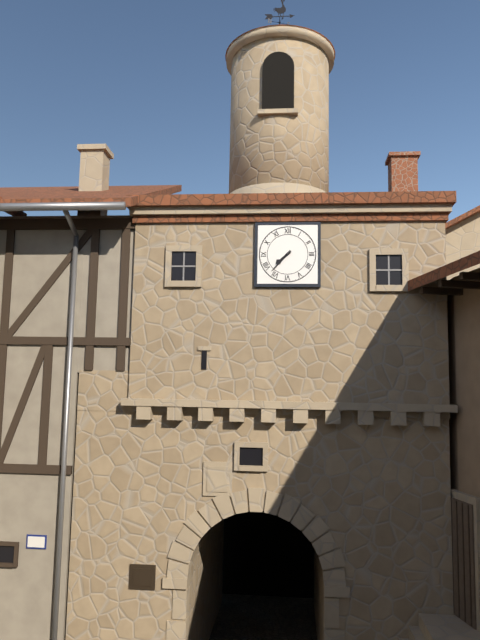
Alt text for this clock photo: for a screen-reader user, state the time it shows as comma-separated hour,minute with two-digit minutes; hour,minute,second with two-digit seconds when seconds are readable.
7,37
